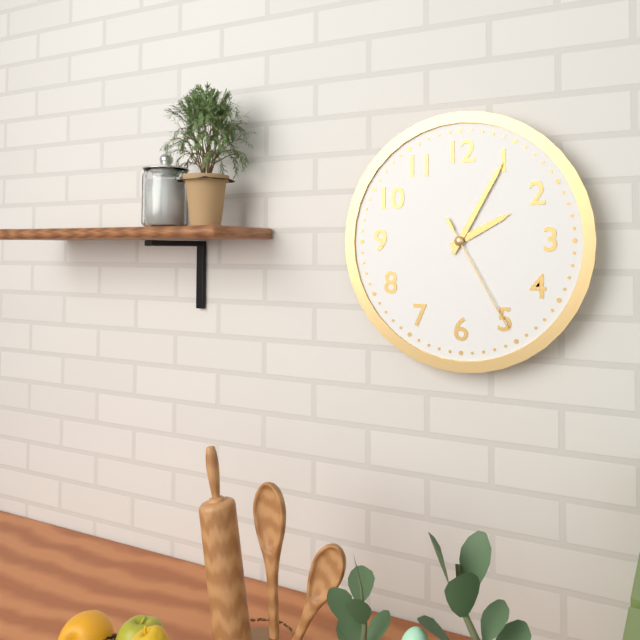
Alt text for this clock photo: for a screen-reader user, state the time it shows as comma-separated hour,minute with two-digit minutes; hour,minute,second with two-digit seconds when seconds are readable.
2,05,25
